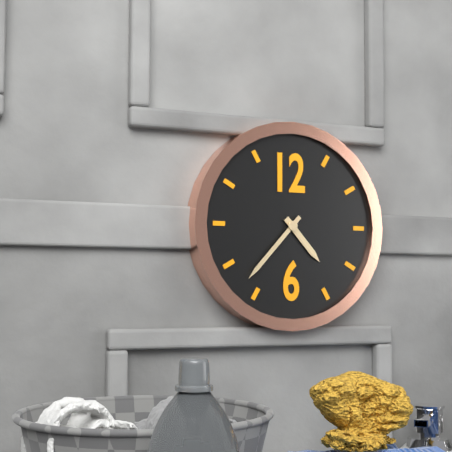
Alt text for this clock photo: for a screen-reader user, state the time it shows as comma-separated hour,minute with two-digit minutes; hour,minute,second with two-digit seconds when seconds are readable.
4,37
